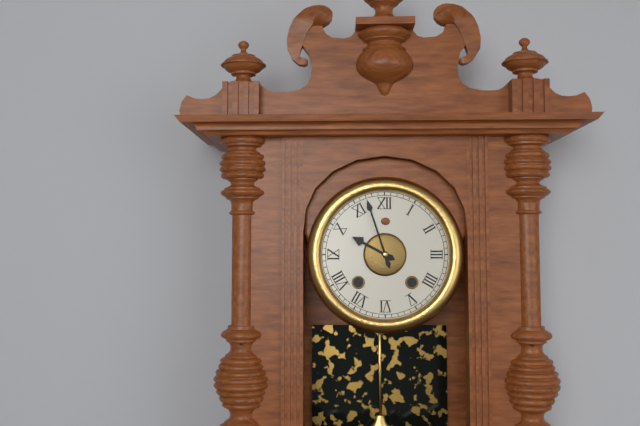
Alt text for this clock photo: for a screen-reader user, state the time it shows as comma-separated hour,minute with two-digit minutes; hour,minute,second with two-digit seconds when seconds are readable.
9,57
